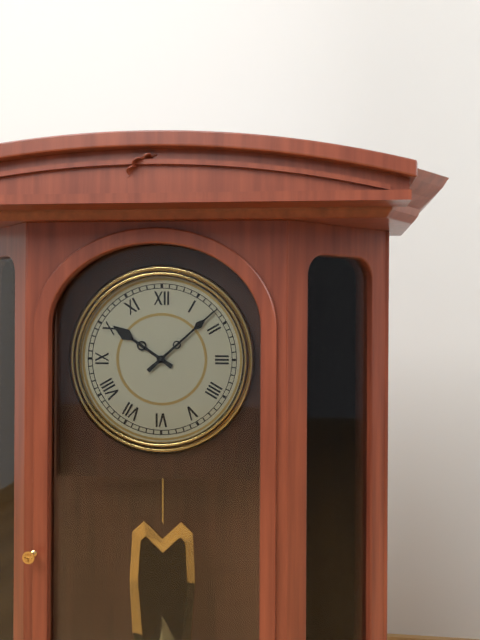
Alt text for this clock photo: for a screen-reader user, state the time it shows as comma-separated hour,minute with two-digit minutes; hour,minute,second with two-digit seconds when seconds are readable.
10,08
